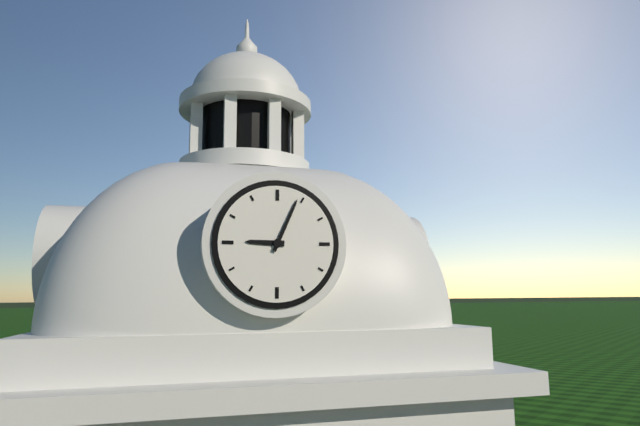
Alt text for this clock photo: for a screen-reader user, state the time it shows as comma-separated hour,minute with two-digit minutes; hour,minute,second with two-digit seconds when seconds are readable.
9,04
